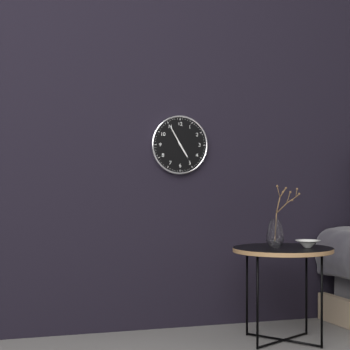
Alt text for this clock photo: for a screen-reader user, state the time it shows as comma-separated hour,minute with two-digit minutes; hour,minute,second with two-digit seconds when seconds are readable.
4,55
